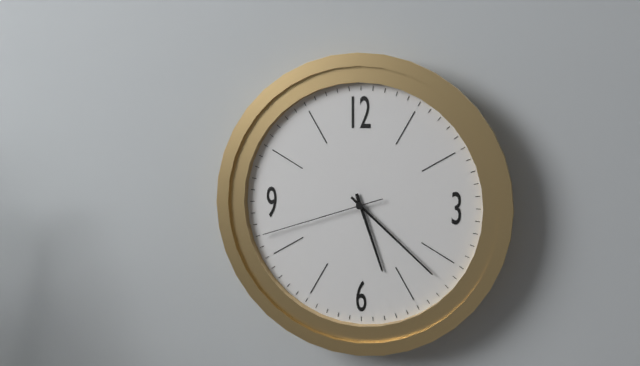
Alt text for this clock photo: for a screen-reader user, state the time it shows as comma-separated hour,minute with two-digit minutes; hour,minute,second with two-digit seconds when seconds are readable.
5,22,42
